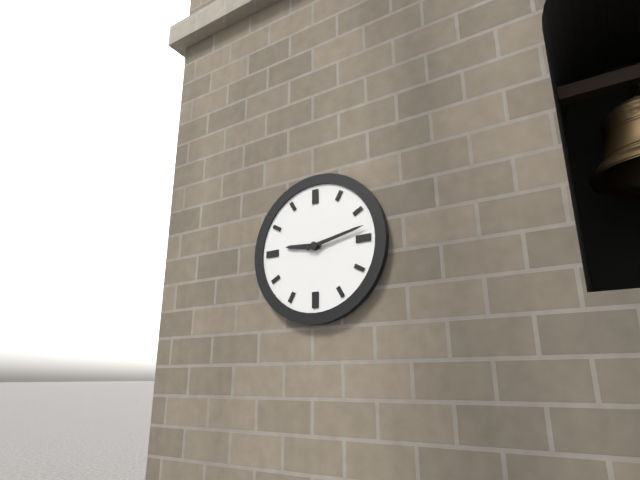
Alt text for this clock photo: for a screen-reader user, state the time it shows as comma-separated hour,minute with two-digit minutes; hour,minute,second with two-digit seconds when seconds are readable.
9,13
